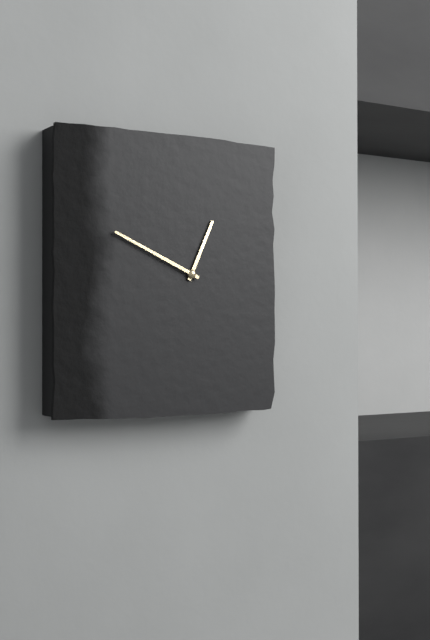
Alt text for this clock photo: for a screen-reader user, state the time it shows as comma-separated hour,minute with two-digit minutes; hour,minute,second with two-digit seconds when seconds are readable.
12,49
